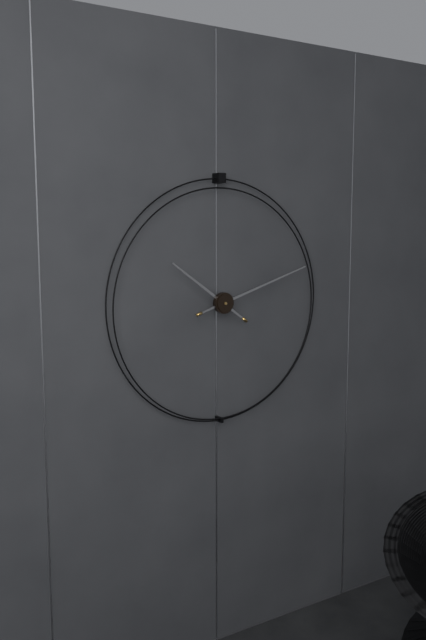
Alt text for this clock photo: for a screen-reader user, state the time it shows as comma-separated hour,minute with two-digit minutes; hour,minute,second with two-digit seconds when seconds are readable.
10,12
